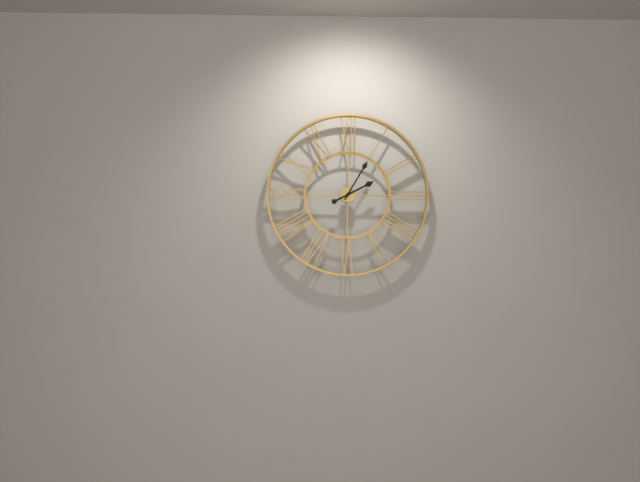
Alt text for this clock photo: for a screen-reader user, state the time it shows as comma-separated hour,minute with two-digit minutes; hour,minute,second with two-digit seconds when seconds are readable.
2,05
